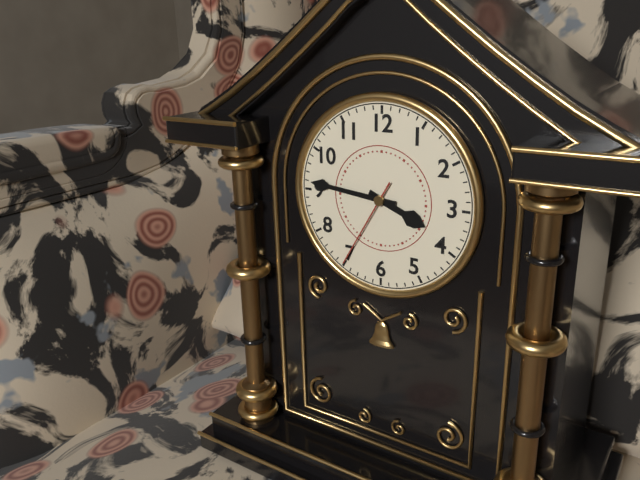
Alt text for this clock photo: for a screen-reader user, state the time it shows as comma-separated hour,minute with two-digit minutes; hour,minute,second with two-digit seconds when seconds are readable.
3,46,35
